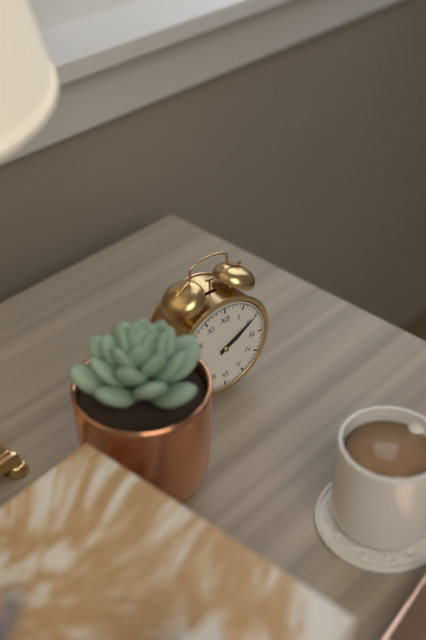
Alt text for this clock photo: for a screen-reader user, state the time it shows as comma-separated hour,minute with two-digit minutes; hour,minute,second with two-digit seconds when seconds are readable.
2,10
